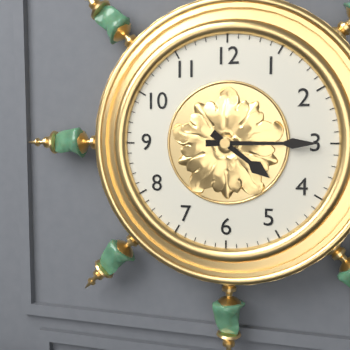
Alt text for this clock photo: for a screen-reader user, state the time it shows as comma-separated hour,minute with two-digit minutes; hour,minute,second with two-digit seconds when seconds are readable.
4,15
